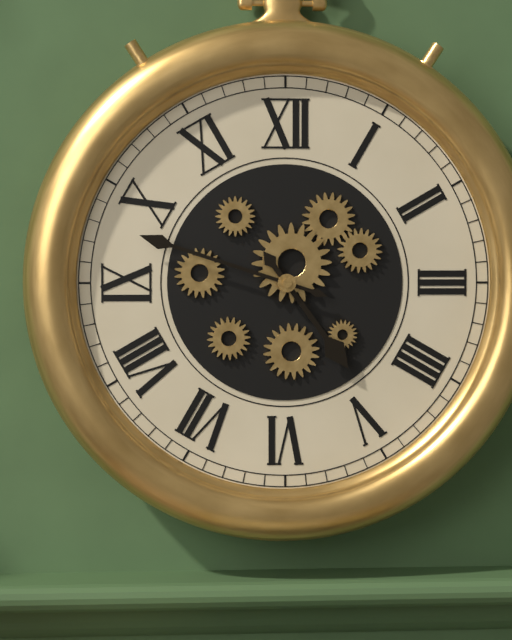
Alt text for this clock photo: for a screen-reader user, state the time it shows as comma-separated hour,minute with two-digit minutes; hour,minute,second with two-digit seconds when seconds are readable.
4,48
